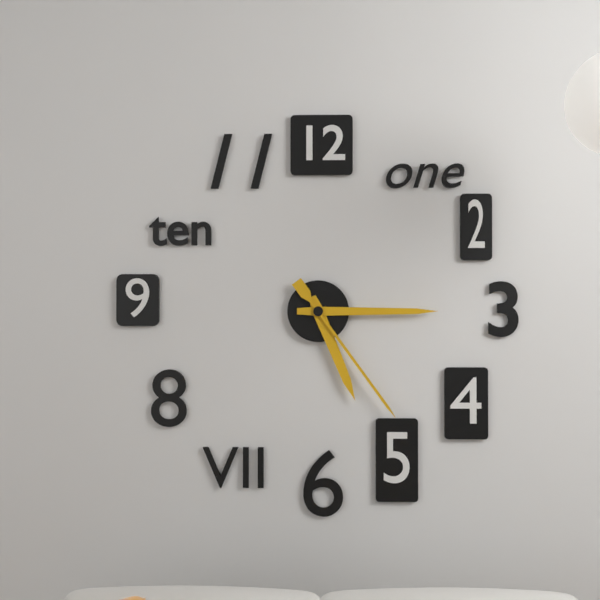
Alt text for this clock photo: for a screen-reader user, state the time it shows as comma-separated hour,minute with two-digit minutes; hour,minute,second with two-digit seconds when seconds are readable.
5,15,24
